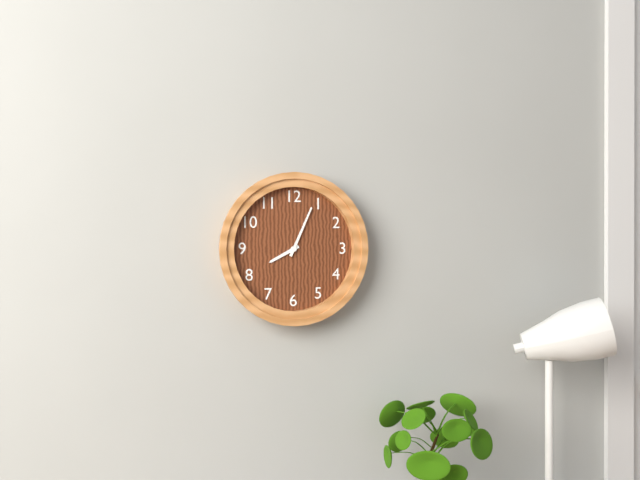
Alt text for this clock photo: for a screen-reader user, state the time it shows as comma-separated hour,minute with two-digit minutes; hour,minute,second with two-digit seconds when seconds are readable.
8,04
